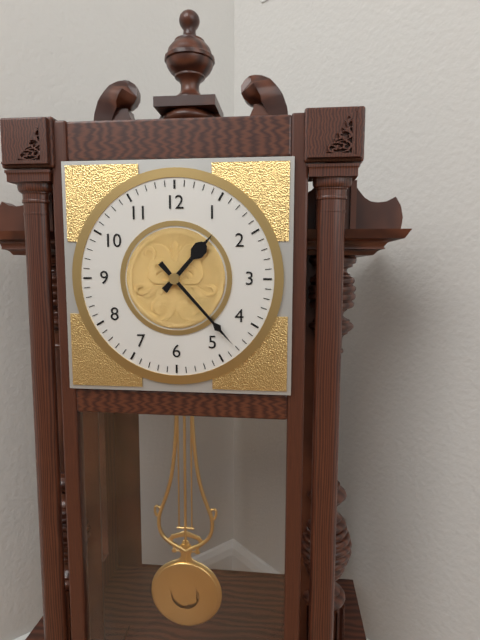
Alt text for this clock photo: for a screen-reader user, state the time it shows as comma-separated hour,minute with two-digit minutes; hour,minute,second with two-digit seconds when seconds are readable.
1,23
